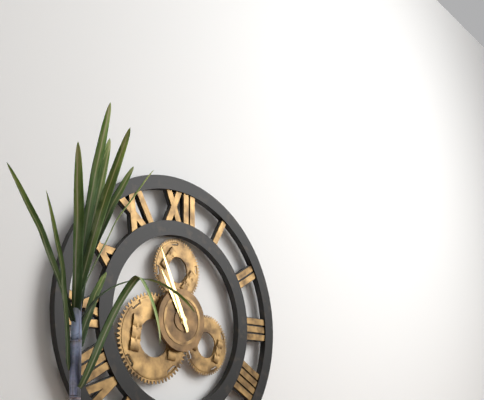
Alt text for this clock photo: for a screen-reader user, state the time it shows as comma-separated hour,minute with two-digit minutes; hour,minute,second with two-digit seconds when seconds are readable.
10,56
